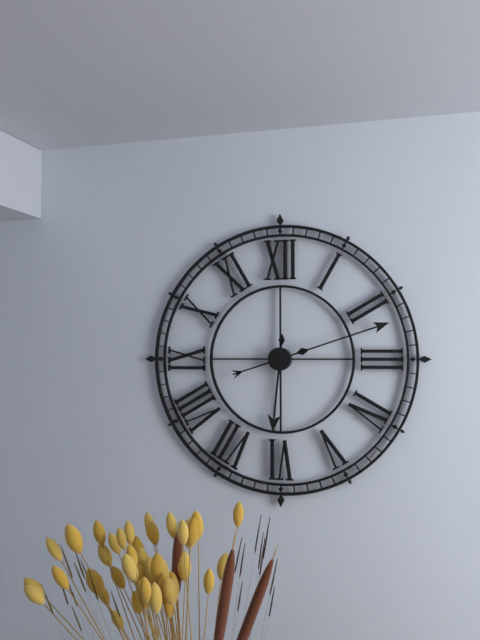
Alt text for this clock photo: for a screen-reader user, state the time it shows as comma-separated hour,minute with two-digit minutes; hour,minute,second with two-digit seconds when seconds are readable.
6,12
